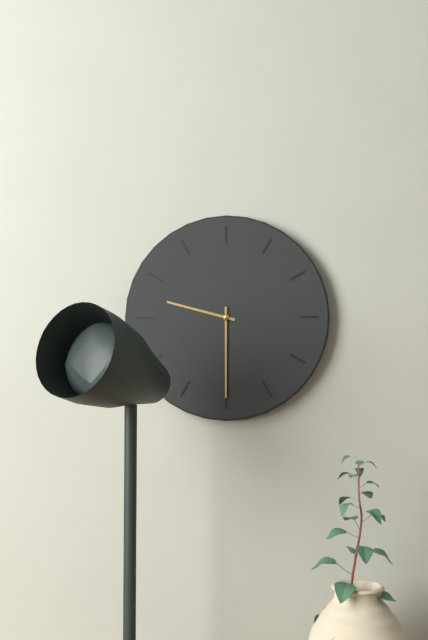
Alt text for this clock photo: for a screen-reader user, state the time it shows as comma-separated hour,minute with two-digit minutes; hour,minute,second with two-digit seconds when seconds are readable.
9,30
